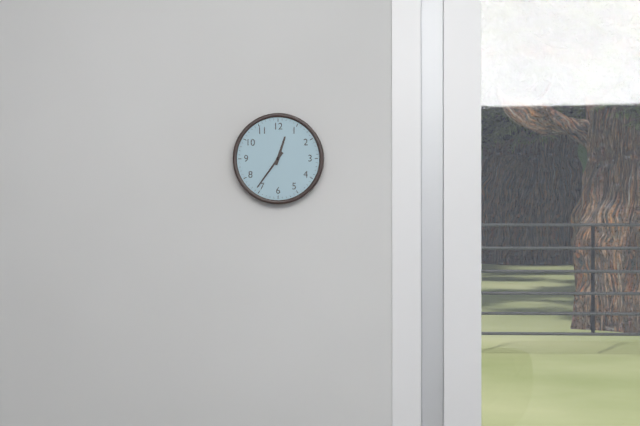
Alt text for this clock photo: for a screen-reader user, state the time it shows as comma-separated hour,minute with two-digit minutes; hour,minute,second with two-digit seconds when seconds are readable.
12,36
